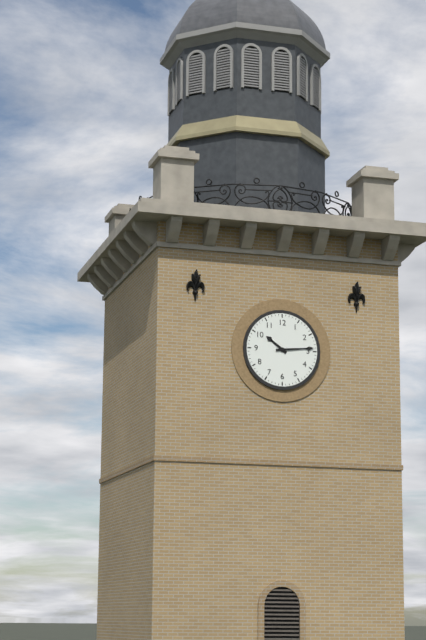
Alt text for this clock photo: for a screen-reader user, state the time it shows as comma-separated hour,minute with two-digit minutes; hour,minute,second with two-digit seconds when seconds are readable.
10,14
